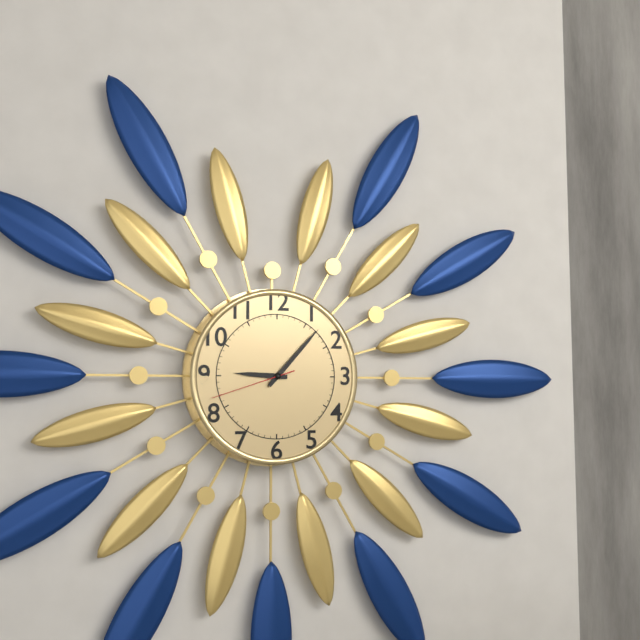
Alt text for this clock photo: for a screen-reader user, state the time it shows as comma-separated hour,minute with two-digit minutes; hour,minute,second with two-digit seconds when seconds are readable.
9,07,42
